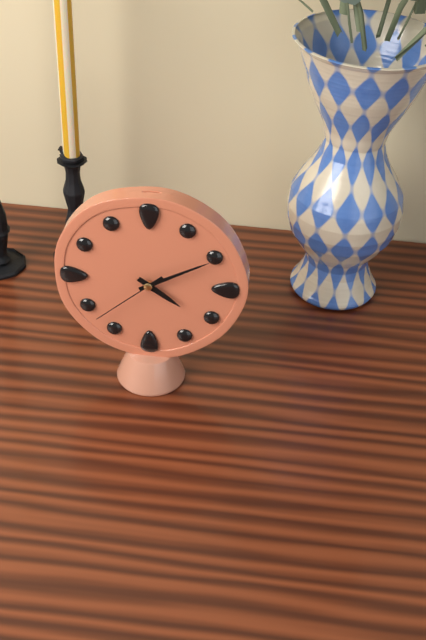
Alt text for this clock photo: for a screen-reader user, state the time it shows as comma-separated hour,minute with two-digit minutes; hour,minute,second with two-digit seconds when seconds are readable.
4,10,38
